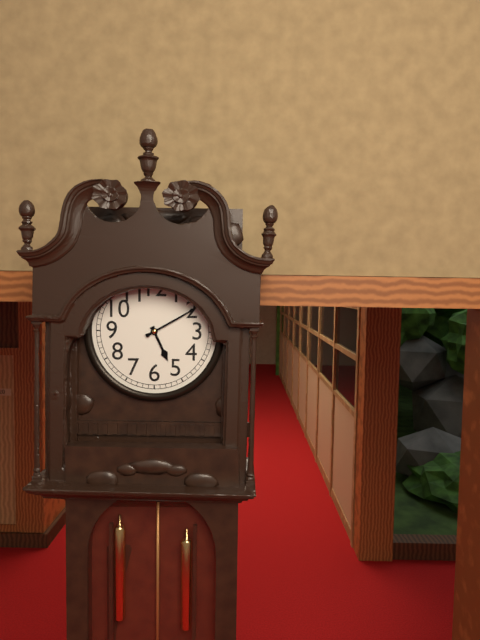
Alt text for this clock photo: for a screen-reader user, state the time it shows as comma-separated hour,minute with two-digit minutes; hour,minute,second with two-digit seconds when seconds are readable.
5,10
